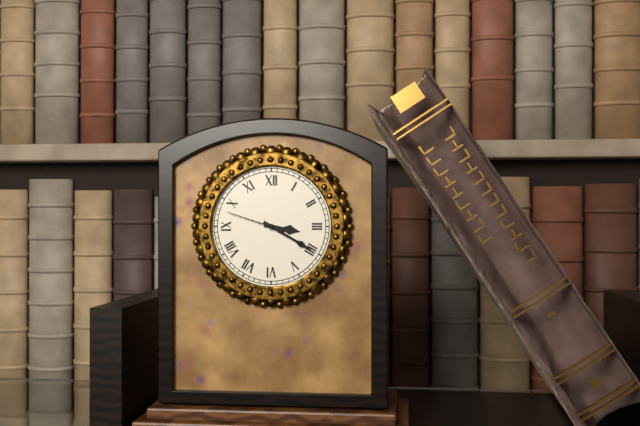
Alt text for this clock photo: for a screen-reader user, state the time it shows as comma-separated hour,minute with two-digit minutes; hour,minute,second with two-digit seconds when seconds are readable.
3,20,48
